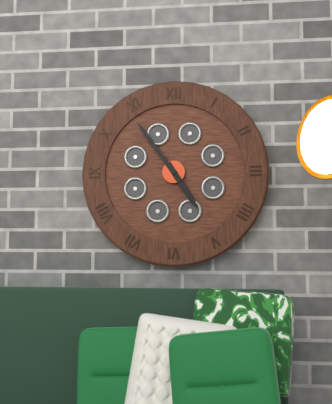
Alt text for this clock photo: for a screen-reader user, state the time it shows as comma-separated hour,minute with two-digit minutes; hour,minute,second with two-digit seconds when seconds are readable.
4,54
